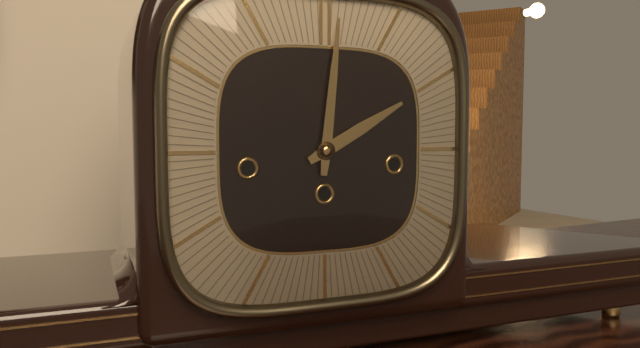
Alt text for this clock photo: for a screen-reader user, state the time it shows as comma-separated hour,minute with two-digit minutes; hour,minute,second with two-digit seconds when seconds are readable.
2,01
